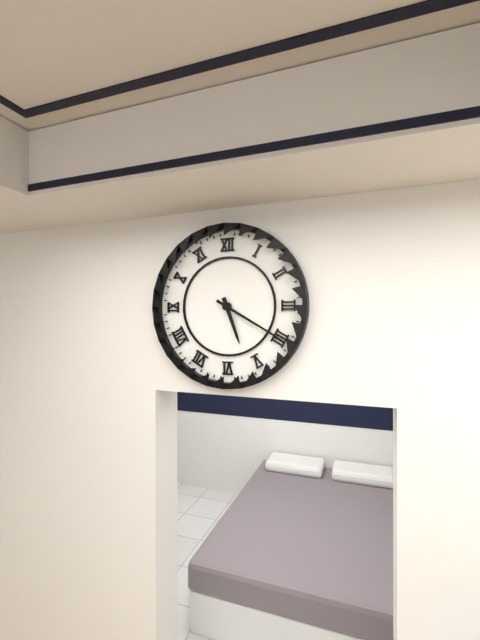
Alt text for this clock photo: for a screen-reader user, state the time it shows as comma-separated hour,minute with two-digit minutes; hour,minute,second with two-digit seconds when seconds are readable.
5,20
